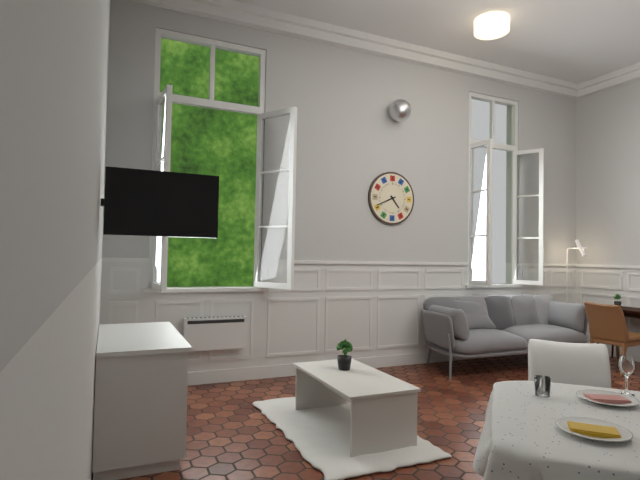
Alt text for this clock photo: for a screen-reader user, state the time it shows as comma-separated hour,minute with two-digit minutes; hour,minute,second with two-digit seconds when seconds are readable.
4,41
